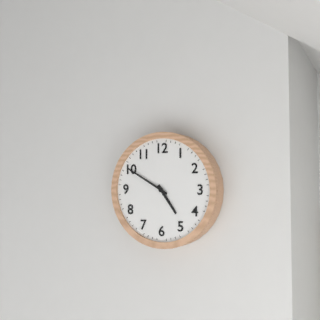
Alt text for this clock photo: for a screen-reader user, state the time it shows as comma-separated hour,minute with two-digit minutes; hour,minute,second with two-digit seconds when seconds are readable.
4,50
